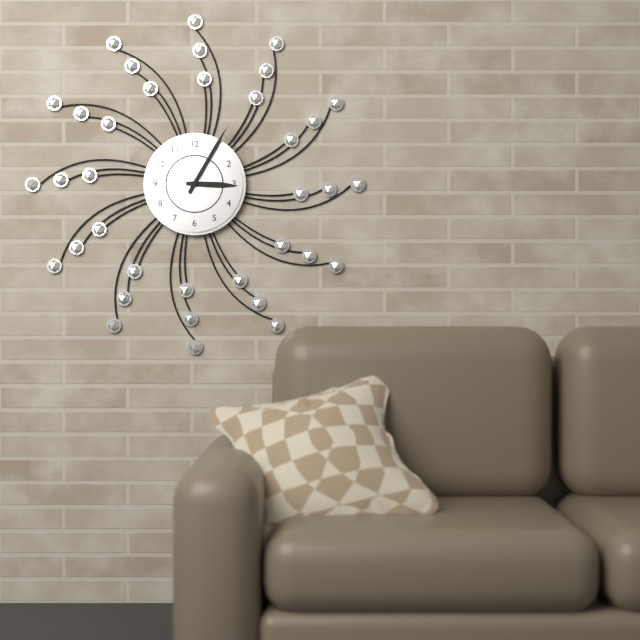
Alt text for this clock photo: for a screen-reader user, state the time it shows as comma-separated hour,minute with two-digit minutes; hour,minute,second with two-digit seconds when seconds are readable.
3,05
